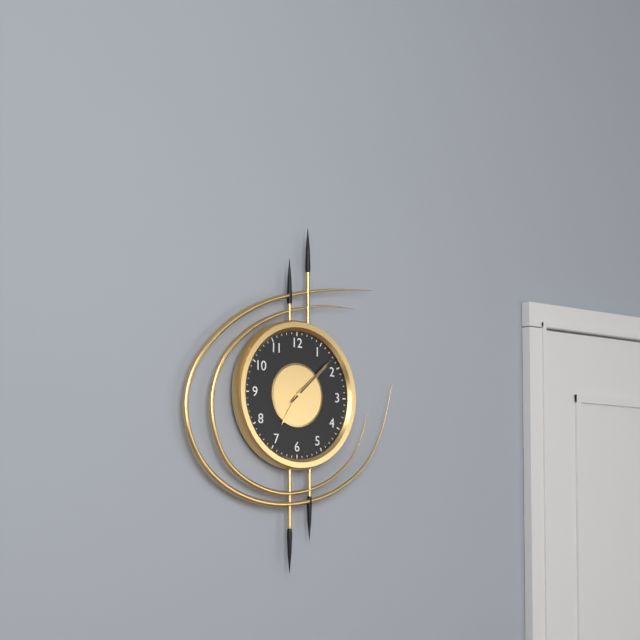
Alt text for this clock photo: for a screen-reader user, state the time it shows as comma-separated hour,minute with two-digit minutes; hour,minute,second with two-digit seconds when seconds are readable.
7,08,08
